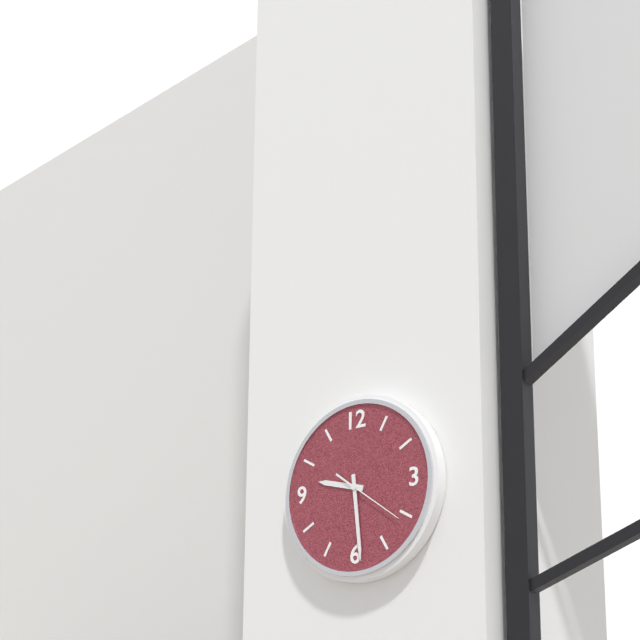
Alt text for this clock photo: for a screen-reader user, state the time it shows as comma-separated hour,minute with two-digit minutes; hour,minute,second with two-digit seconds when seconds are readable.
9,29,21
